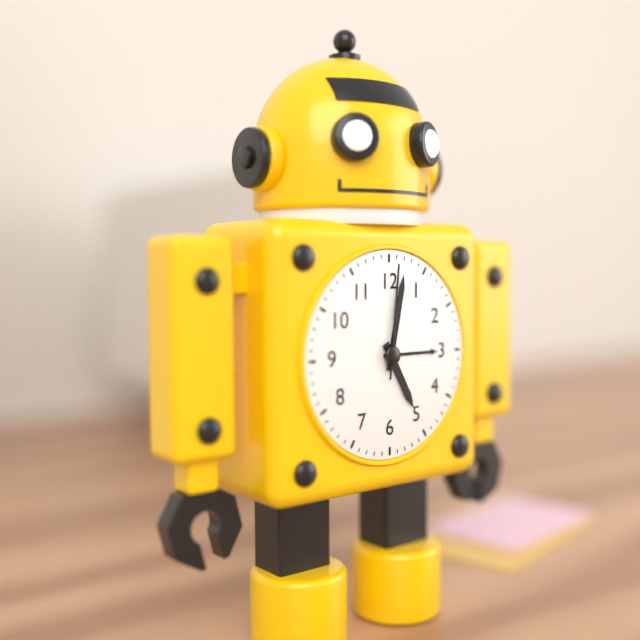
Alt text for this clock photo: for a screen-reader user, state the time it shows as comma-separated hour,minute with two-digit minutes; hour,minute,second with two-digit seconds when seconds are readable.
5,02,01
